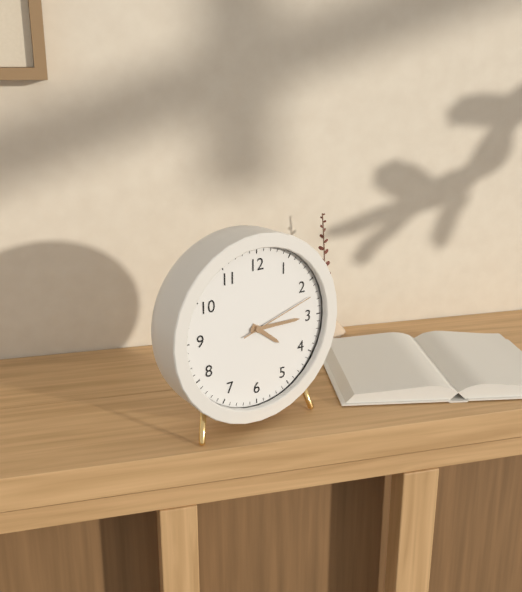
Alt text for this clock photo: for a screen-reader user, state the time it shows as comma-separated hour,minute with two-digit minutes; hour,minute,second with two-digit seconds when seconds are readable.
4,15,12
